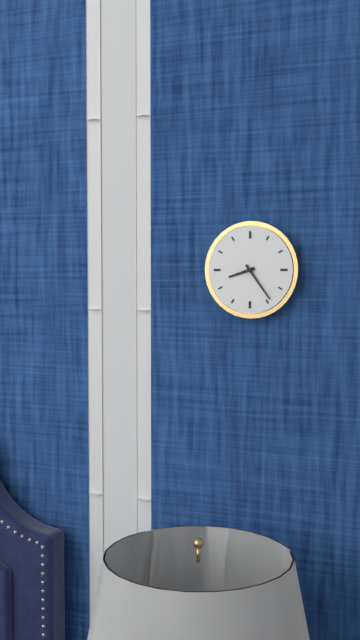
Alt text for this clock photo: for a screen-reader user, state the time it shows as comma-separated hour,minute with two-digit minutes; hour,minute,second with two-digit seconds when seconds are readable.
8,24
